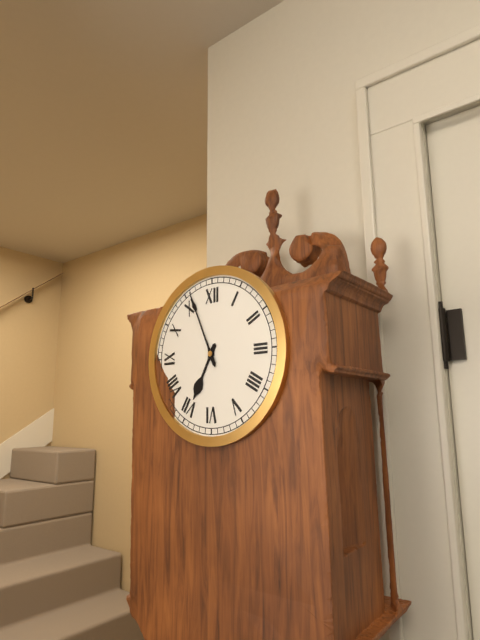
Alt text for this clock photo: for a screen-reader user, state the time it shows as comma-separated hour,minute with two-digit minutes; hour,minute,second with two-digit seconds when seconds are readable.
6,56
